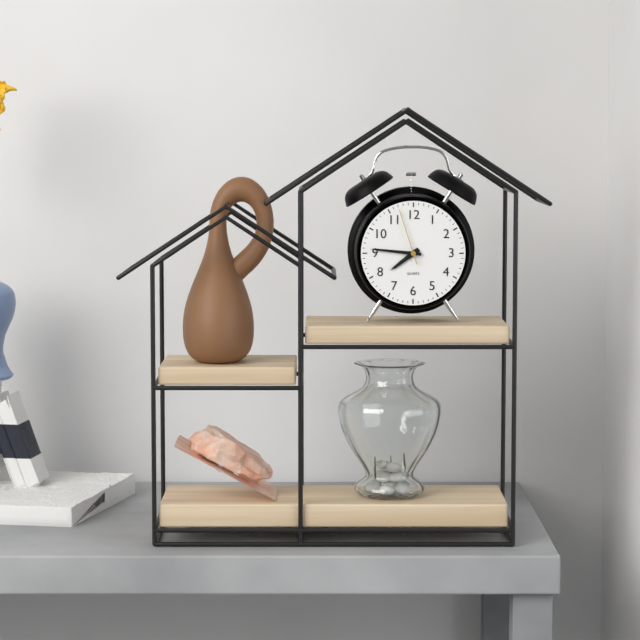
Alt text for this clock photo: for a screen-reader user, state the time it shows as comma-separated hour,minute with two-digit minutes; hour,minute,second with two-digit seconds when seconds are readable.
7,46,57
